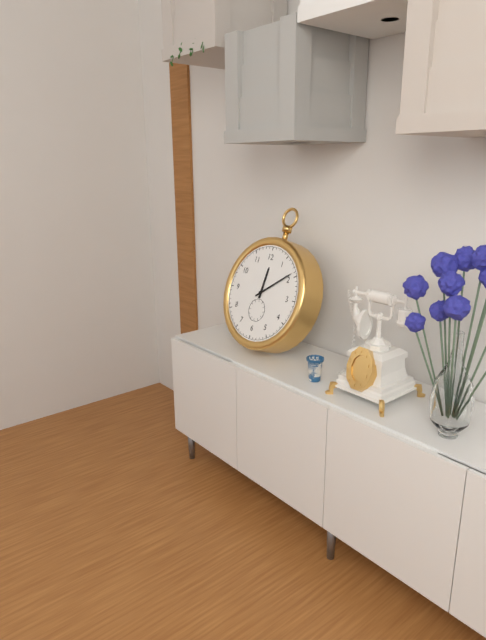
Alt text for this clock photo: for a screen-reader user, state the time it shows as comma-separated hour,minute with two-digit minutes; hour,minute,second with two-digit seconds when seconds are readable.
12,09
